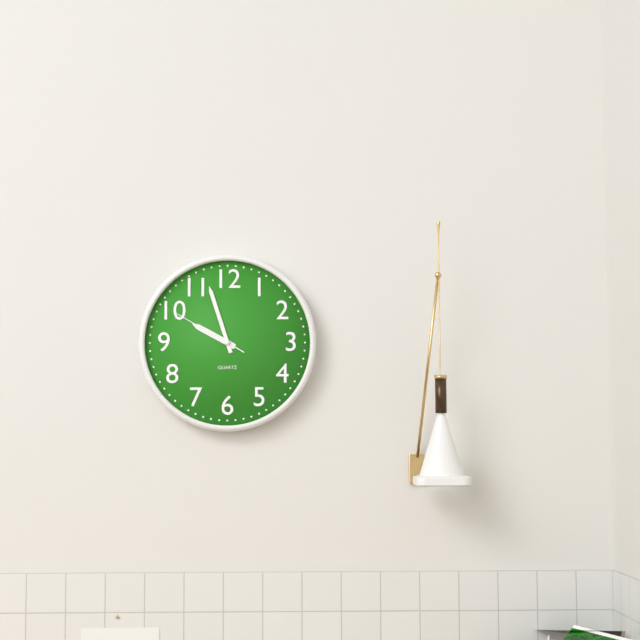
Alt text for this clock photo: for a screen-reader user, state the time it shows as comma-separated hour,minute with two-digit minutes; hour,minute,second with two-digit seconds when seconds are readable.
9,57,50
